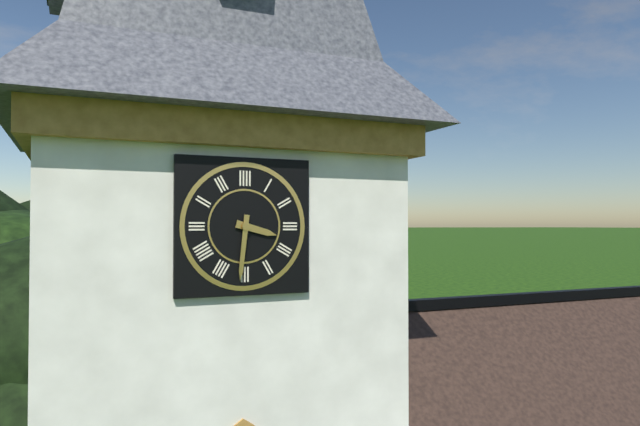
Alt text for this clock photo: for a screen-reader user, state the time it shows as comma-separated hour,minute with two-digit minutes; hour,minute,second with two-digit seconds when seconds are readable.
3,31
